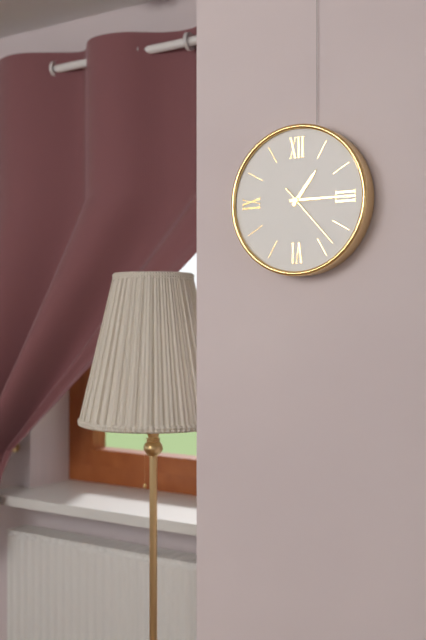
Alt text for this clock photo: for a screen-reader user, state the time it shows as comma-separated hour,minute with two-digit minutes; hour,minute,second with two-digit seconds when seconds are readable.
1,15,23
